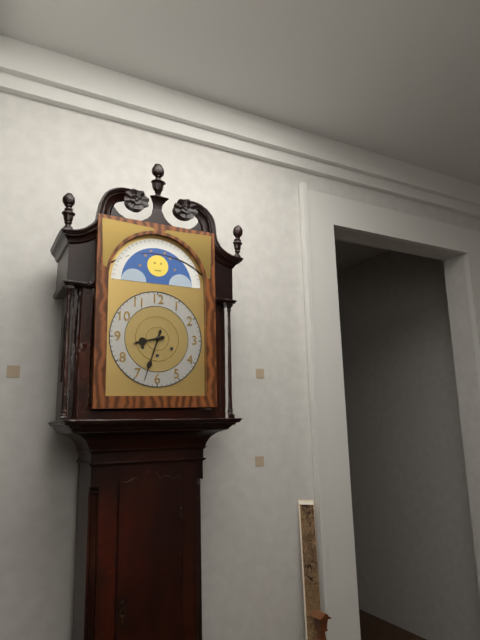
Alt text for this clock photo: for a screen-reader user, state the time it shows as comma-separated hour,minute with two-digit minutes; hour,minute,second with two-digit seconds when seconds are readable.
8,33
